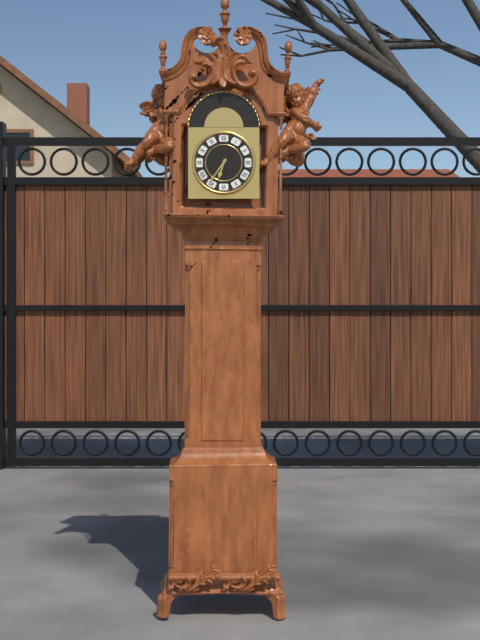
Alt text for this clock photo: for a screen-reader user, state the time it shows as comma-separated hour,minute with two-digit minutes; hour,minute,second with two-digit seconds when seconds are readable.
6,36
